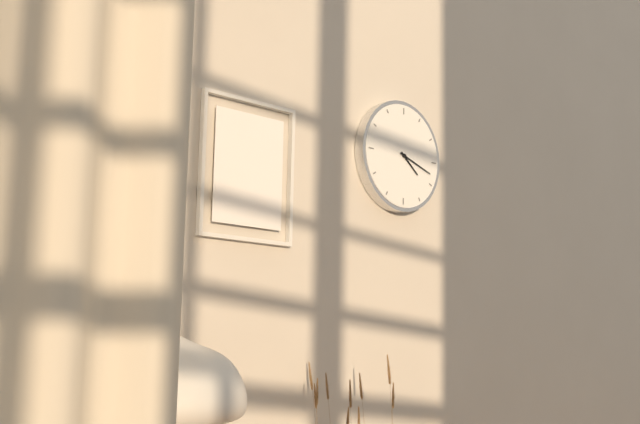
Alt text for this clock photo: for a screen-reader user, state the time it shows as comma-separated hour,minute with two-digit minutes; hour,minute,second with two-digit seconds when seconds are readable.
4,18
